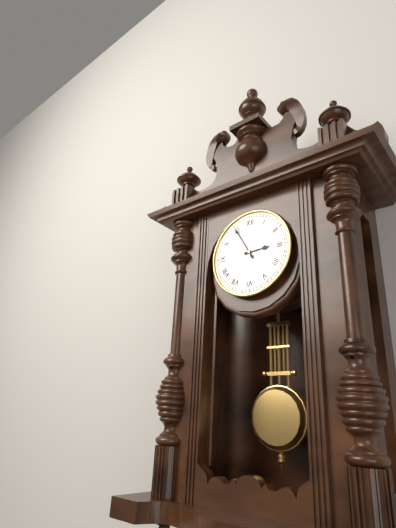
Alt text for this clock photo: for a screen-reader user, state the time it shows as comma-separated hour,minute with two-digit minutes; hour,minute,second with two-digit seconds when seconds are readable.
2,55
